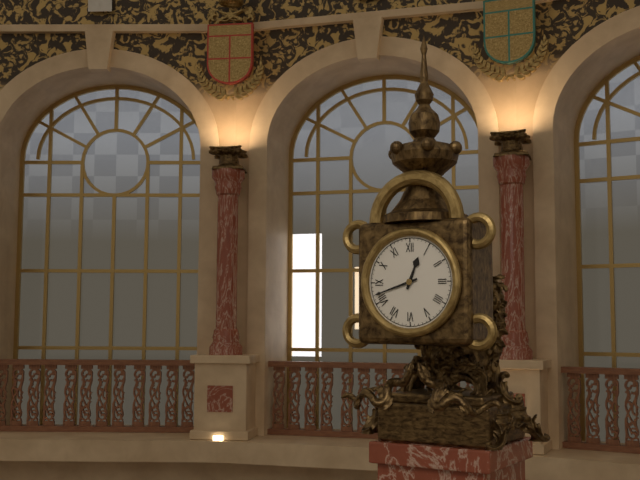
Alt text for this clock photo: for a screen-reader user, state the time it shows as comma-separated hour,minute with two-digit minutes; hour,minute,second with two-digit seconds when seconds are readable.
12,42
